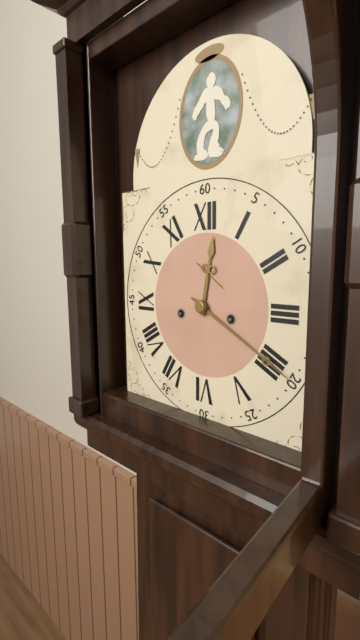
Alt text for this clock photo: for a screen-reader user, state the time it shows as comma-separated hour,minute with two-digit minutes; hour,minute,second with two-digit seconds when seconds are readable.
12,20
